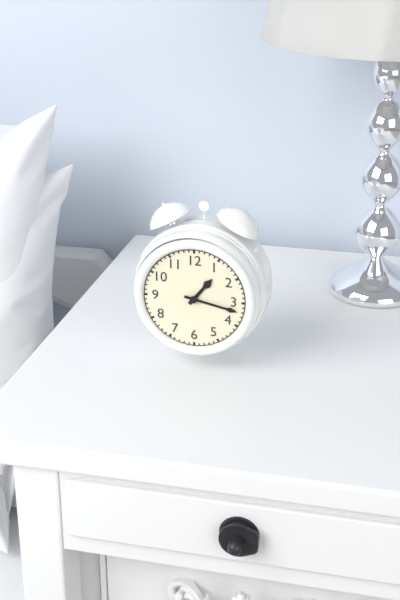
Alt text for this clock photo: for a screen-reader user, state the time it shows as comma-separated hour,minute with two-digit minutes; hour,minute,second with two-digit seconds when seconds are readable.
1,17
